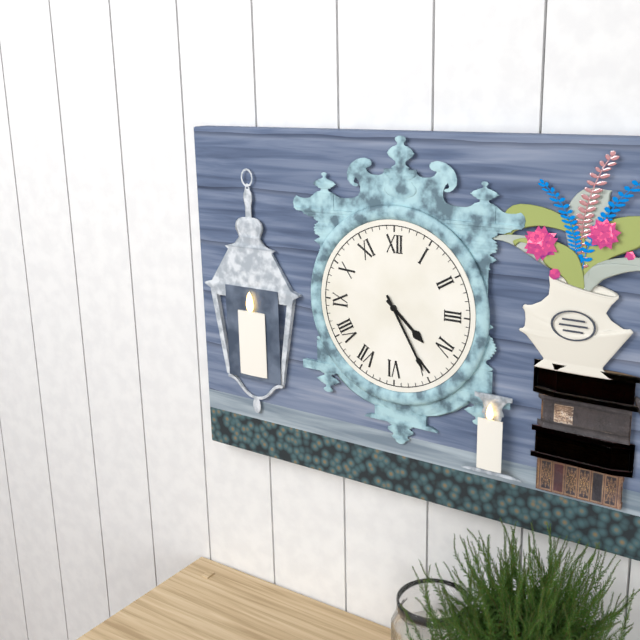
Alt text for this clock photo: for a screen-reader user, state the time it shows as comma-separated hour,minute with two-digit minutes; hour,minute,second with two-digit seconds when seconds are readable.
4,25
